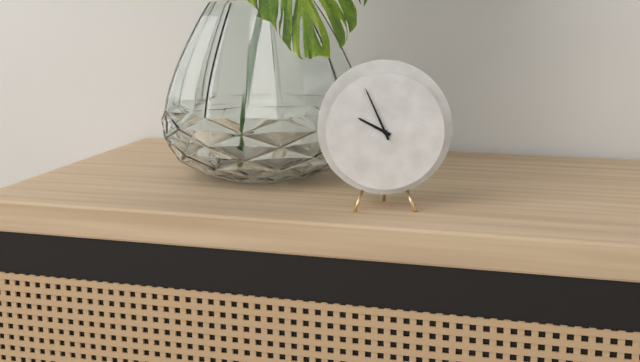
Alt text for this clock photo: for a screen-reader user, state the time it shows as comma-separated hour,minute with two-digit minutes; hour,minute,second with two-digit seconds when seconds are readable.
9,56
